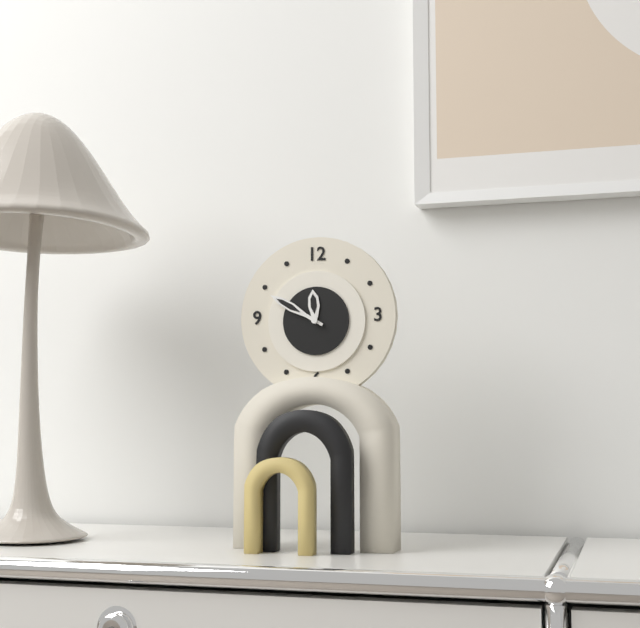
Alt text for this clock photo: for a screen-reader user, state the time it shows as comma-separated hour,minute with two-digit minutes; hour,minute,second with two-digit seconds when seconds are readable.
11,50
